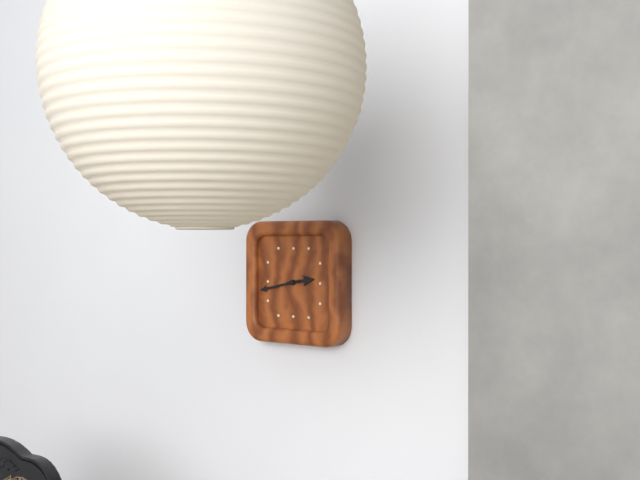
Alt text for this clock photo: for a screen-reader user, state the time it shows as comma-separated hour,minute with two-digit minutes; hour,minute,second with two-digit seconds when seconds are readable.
2,43
